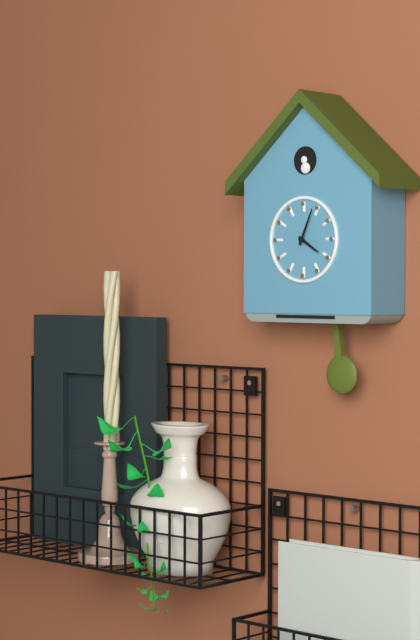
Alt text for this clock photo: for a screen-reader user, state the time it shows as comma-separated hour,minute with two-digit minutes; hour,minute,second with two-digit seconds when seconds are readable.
4,04
